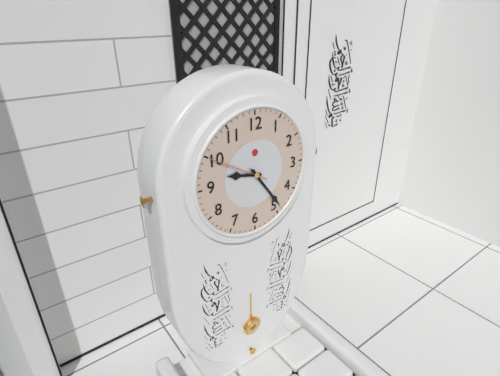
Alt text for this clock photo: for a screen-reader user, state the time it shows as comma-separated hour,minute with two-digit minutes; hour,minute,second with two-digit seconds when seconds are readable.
9,24,50
